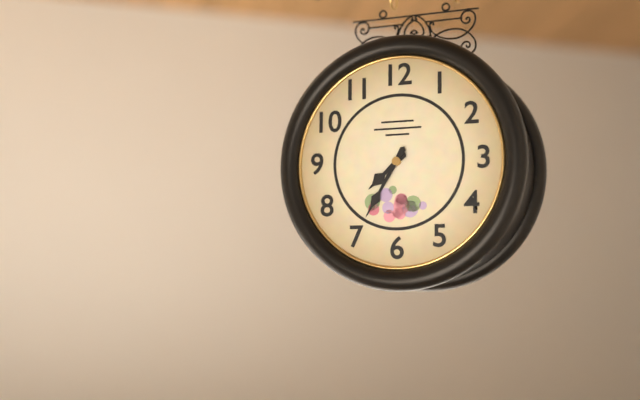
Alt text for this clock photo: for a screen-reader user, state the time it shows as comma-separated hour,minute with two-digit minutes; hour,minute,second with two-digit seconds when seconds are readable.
7,35
